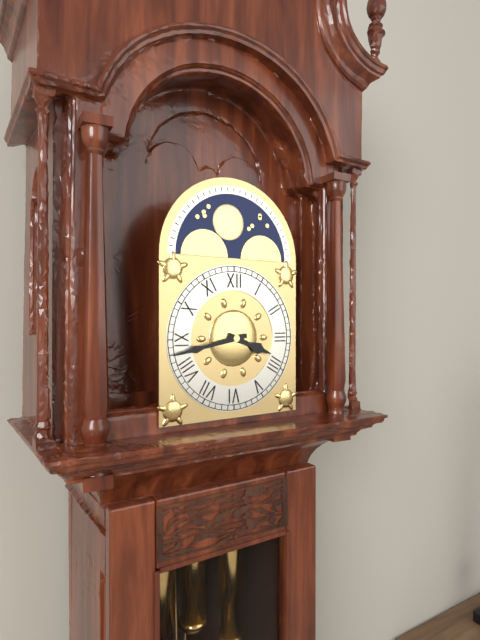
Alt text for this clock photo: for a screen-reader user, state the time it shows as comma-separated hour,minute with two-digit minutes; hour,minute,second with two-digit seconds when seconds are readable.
3,43
